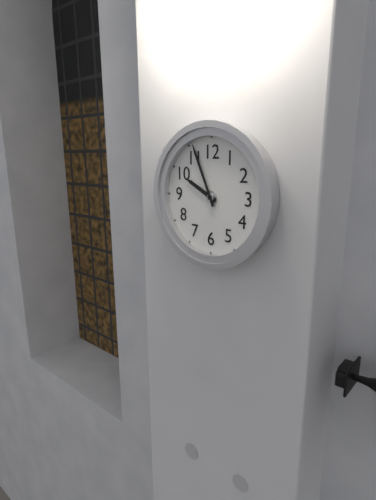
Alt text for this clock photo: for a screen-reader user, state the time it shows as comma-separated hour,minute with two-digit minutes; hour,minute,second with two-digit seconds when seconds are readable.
9,56
